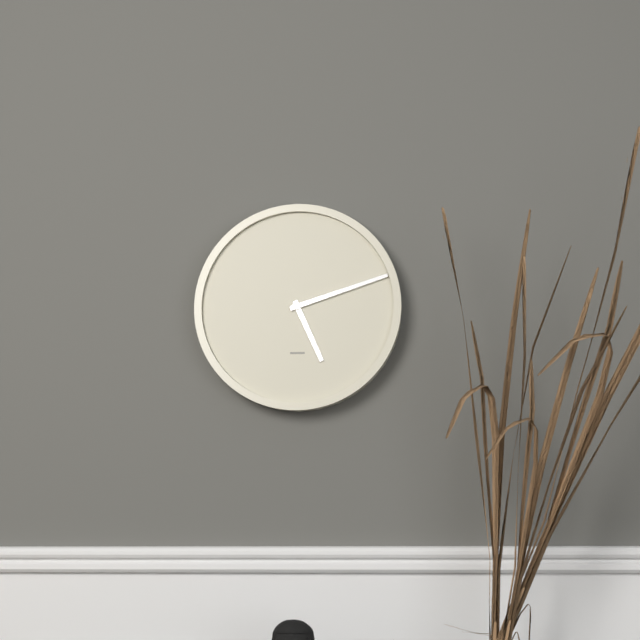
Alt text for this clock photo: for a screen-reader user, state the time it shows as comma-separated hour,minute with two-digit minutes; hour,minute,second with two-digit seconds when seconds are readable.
5,12
